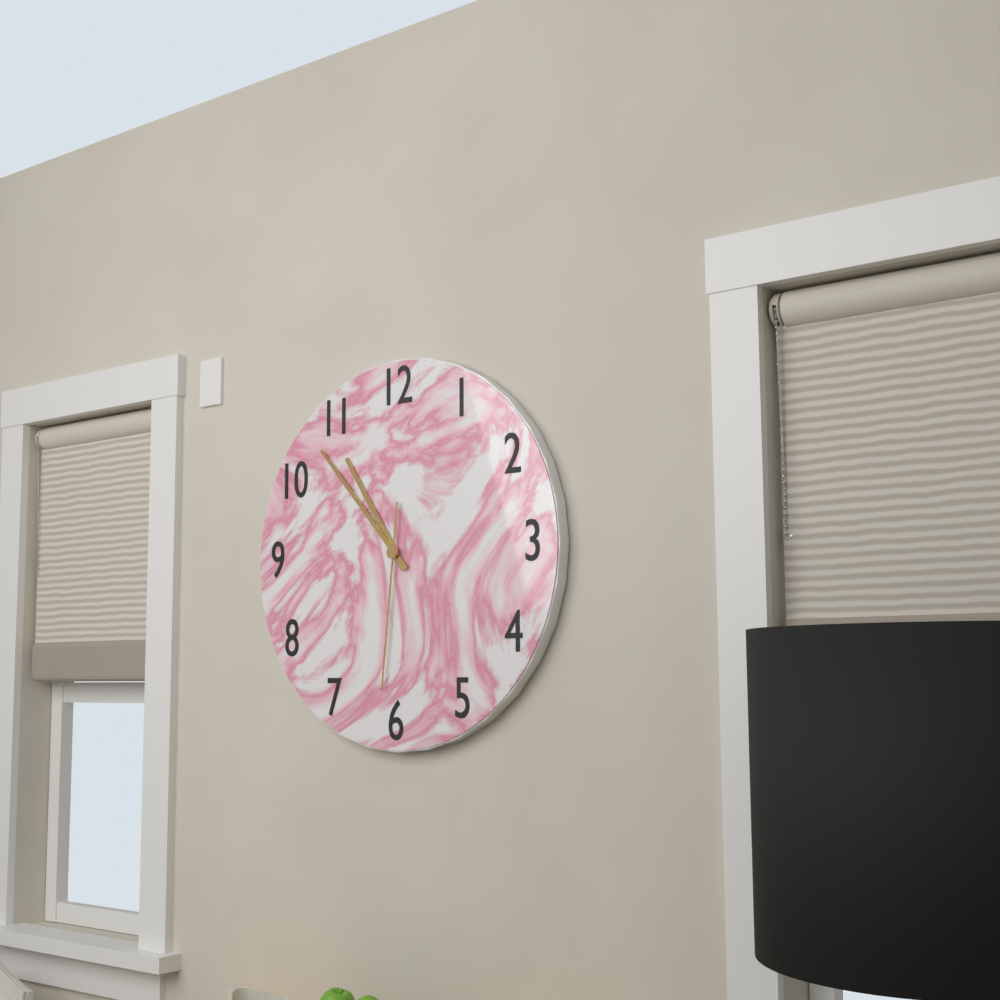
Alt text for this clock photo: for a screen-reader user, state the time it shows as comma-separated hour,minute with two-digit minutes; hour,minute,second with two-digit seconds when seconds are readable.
10,53,31
